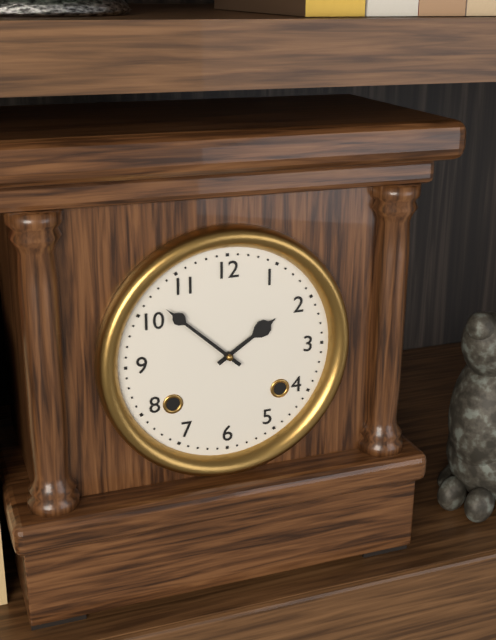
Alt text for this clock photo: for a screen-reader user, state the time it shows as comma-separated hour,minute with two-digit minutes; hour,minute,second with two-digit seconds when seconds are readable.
1,52
